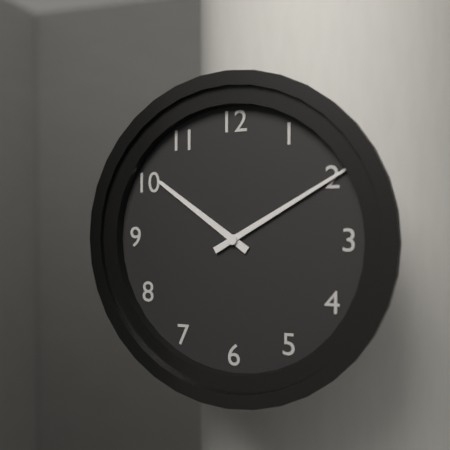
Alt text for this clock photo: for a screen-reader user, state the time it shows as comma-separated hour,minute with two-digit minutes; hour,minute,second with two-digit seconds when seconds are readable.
10,10
